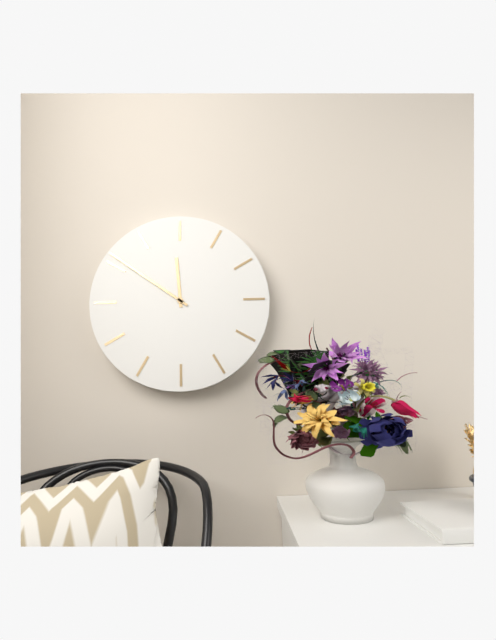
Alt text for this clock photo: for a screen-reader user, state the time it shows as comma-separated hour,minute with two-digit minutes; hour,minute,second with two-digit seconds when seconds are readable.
11,51
